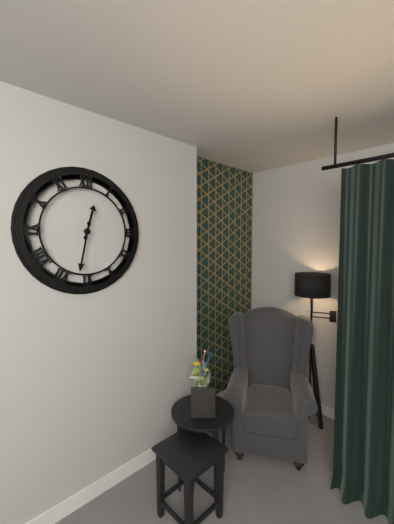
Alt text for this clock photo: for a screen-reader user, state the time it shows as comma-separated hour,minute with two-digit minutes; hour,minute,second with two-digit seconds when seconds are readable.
12,32
